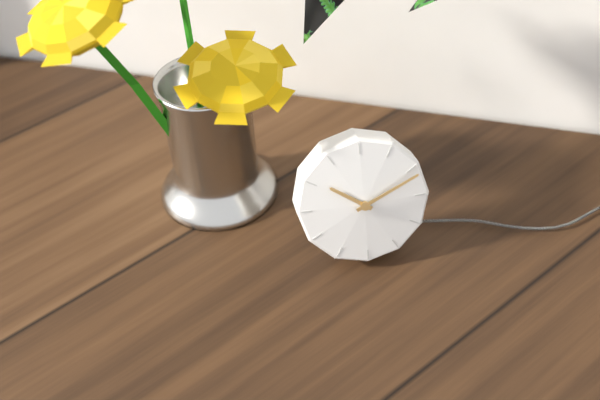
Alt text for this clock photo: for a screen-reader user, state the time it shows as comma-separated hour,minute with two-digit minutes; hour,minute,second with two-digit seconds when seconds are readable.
10,11
